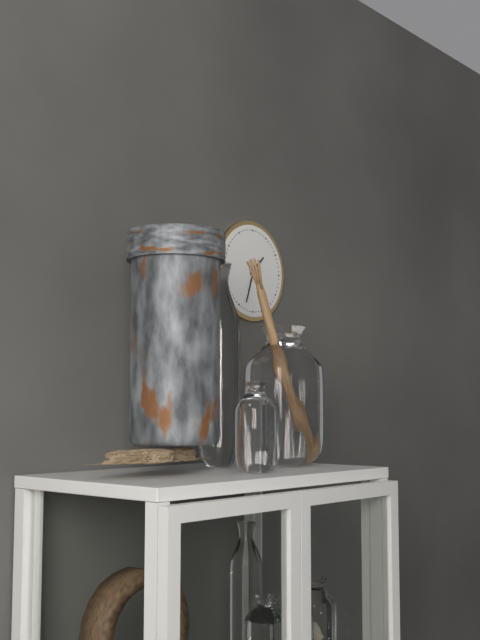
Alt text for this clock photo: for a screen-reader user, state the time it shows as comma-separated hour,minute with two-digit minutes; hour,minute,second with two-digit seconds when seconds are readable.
1,33
